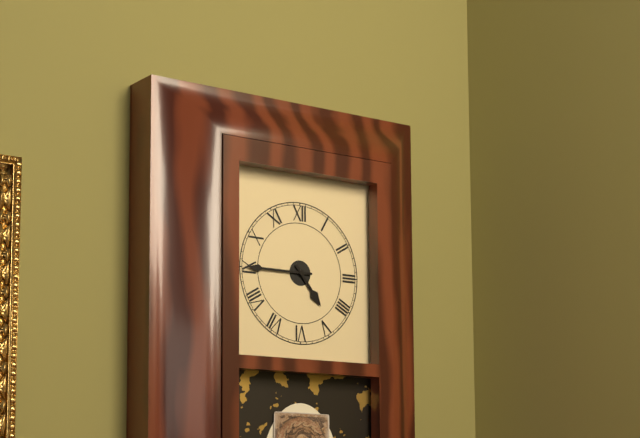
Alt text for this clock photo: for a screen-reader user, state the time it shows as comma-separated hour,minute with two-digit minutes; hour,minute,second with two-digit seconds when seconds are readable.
4,45
